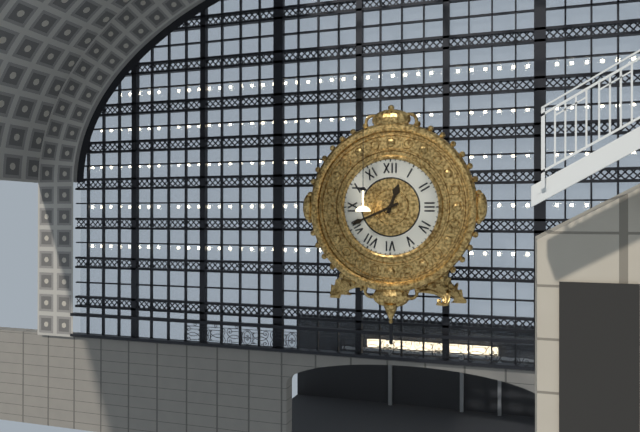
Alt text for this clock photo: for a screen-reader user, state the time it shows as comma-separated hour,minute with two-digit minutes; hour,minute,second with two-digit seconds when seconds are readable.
12,41
